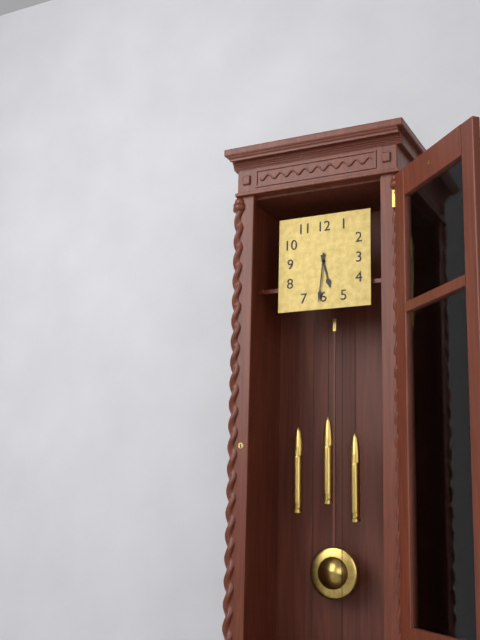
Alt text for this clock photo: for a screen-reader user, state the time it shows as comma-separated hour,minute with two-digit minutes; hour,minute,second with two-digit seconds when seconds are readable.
5,31
